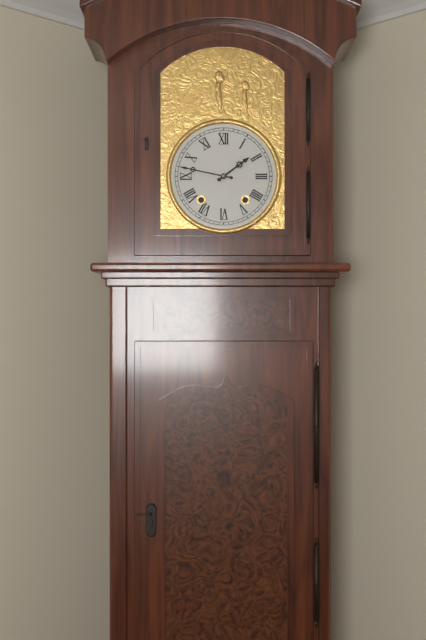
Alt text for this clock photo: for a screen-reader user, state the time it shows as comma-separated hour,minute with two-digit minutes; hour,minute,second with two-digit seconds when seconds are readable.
1,47
